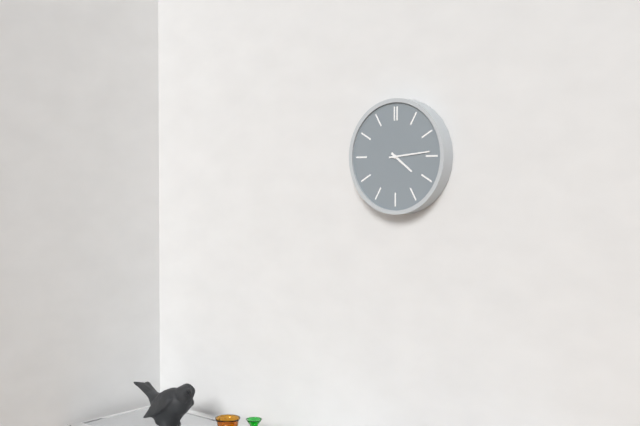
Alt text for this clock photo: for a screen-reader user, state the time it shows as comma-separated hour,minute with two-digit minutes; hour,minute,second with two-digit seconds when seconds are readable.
4,14
